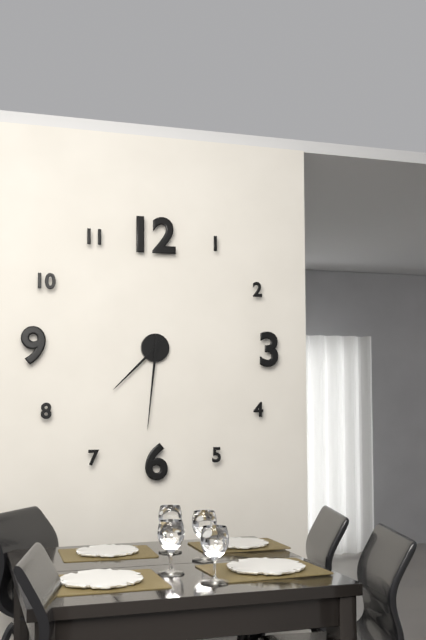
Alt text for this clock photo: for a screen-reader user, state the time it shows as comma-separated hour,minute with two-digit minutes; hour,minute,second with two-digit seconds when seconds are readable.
7,31
